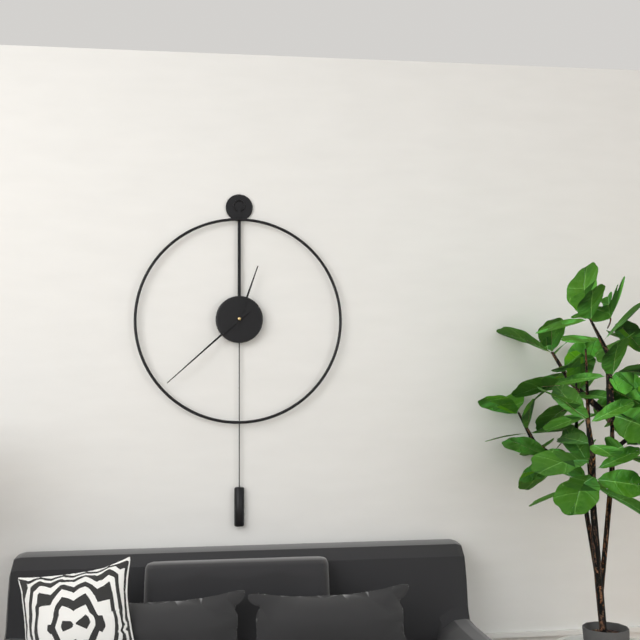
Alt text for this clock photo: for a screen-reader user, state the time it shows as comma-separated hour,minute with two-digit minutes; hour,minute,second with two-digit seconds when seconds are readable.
12,38
